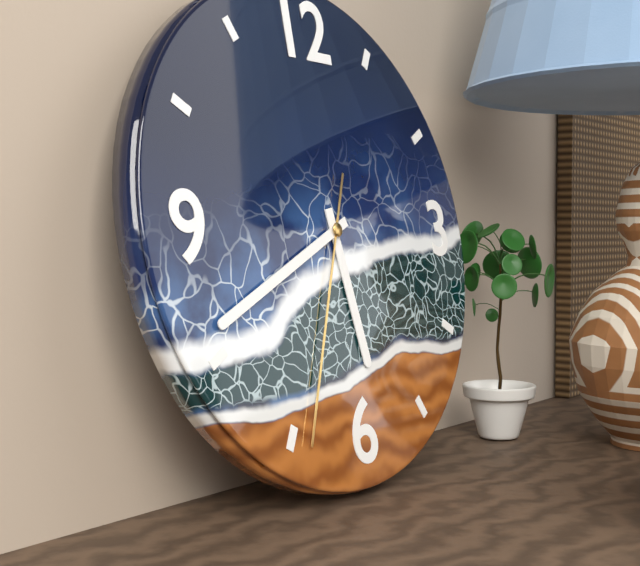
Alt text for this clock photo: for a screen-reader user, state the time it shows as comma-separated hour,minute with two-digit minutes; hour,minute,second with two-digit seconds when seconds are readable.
5,41,34
